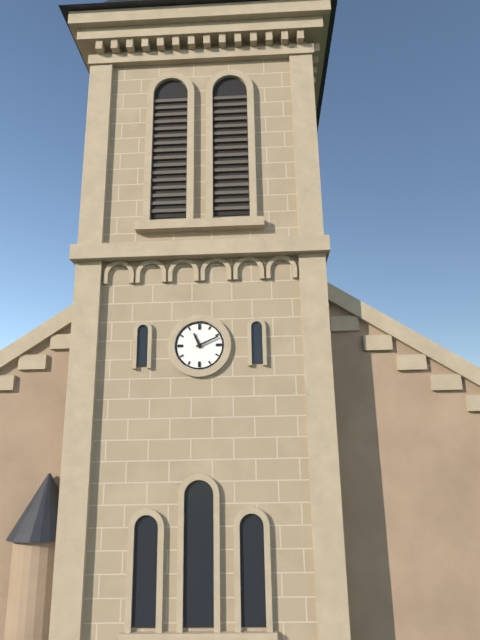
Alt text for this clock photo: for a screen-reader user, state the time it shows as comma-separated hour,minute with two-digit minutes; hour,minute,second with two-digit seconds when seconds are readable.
11,11
